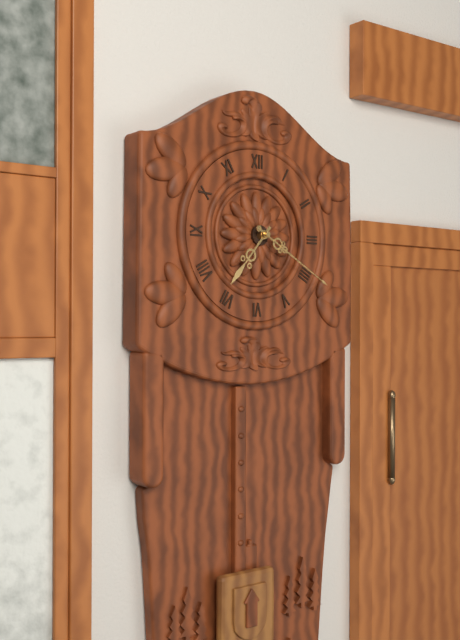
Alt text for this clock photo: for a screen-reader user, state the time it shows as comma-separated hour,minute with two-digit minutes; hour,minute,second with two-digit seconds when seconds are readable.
7,20
